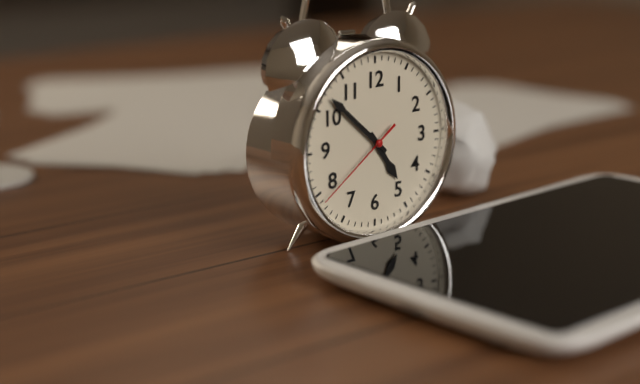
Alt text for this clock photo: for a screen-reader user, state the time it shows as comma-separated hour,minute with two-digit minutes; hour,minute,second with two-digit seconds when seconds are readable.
4,52,39
